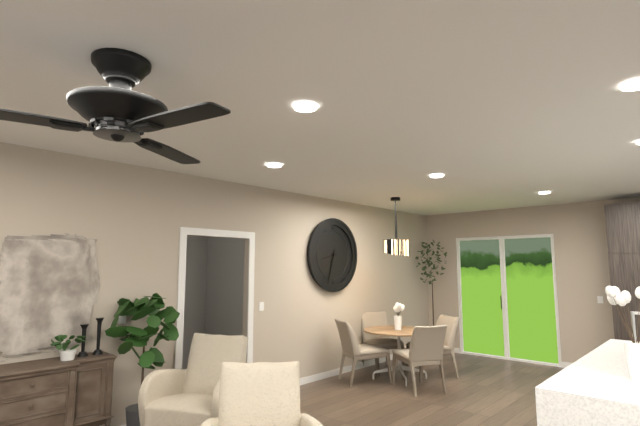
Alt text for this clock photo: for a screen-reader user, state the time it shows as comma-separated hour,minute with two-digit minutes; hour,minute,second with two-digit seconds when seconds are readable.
8,33
